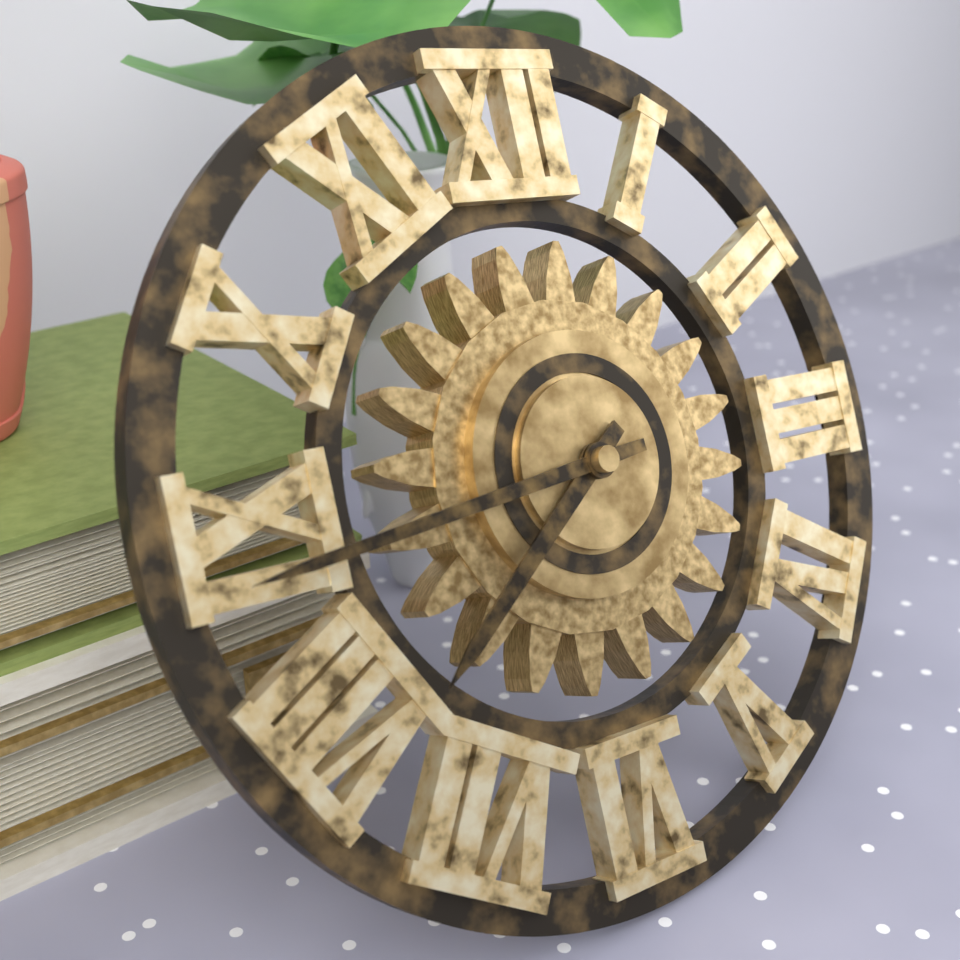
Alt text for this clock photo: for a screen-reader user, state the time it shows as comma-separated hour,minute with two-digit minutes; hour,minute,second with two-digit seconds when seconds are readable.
7,44
